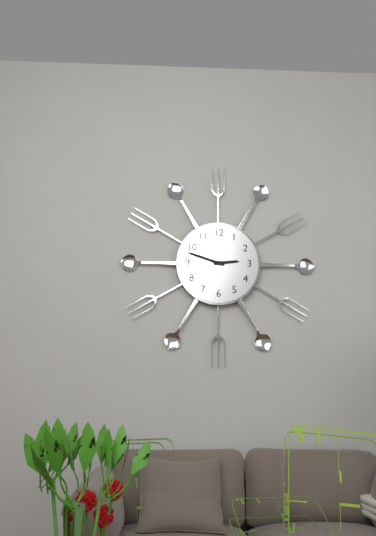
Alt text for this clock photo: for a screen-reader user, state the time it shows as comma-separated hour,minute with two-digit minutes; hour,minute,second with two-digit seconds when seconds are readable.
2,48
